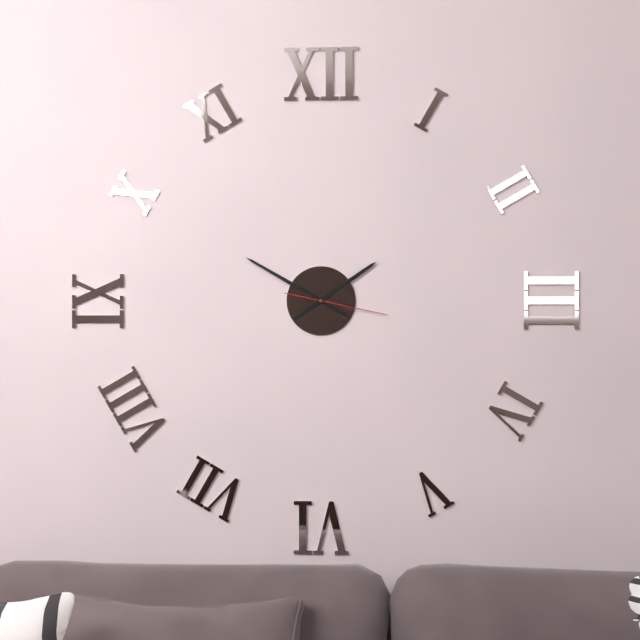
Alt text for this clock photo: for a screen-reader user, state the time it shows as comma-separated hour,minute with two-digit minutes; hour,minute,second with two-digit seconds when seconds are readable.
1,50,17
